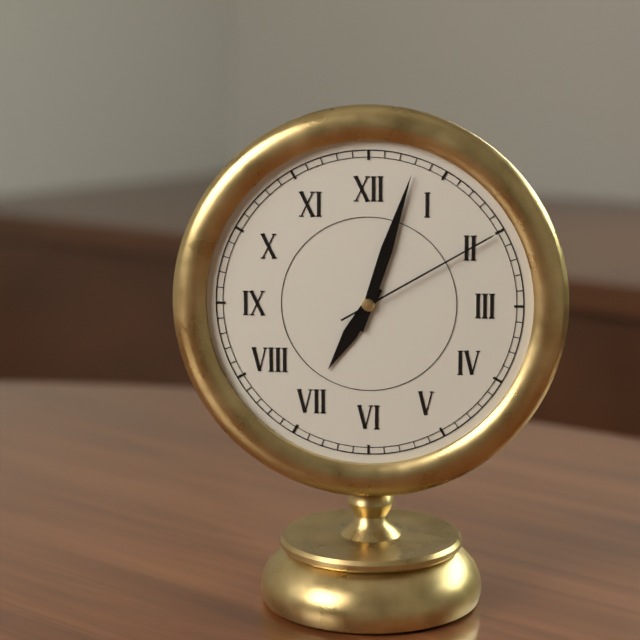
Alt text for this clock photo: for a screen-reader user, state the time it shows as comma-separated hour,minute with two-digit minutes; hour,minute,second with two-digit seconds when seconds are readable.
7,03,10
